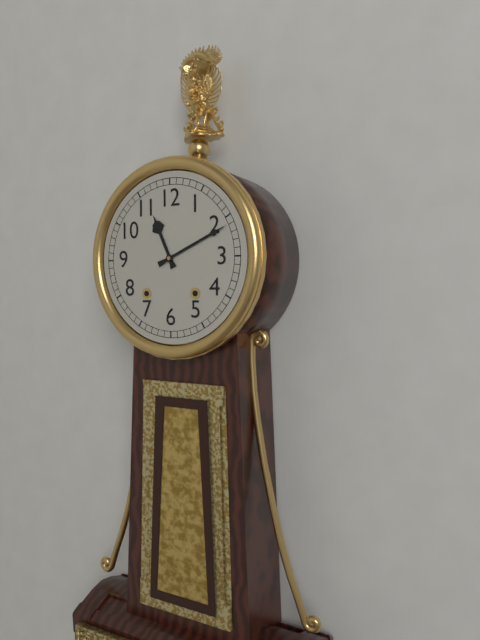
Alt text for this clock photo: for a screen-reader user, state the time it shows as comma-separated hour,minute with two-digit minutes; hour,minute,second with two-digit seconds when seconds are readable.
11,11
